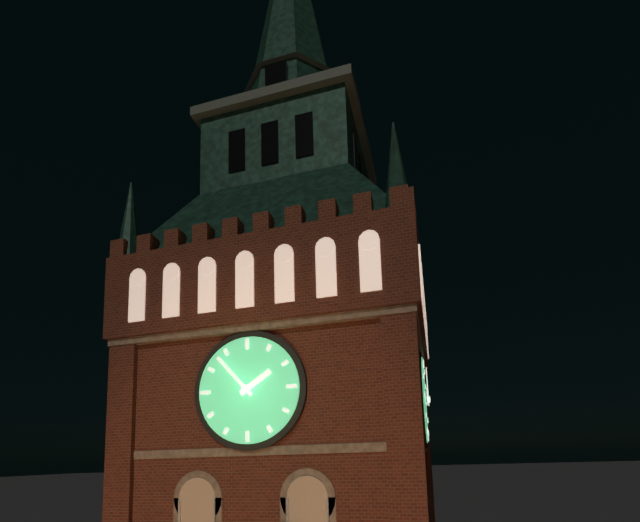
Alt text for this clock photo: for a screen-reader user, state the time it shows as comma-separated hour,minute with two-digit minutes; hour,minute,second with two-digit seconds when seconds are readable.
1,53
